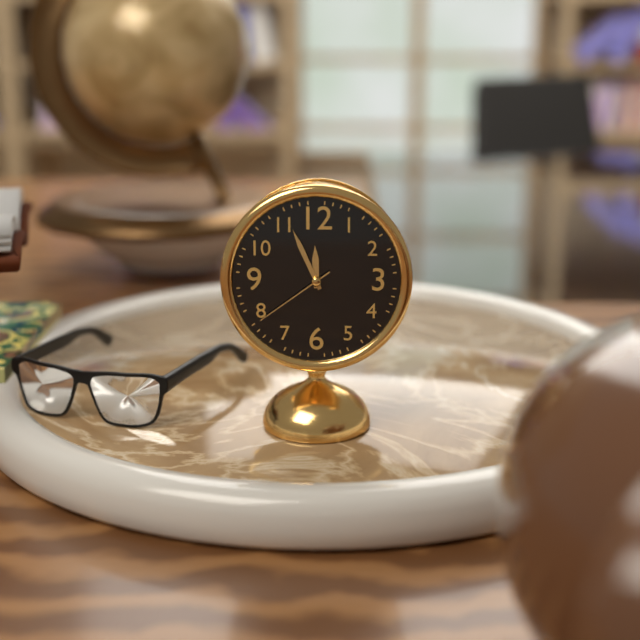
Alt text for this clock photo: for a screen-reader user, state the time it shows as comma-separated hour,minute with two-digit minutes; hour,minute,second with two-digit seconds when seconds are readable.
11,56,39
